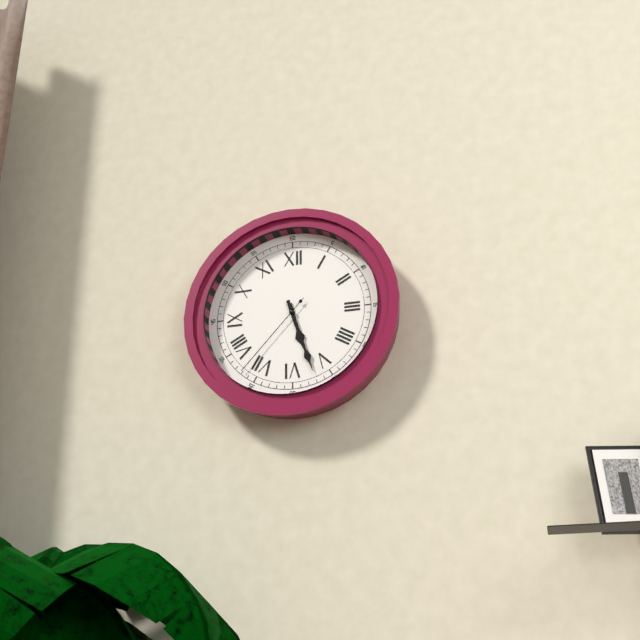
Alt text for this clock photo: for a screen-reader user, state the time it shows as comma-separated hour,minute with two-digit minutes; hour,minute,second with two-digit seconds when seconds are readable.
5,27,37
